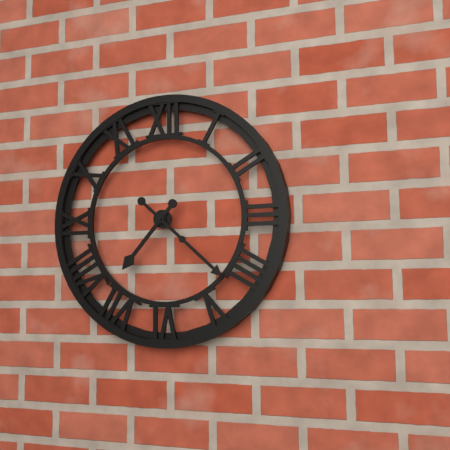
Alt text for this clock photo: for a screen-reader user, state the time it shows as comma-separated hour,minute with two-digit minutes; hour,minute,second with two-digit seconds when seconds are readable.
7,22
